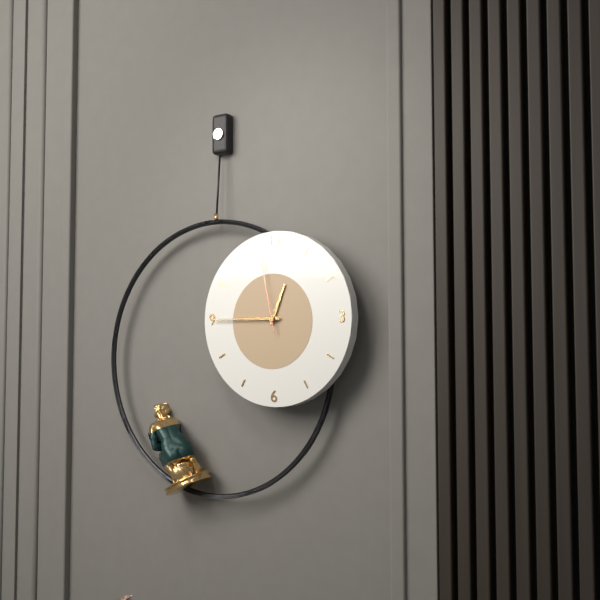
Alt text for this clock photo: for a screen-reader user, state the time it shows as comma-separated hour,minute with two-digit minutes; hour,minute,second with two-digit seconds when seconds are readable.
12,45,58
